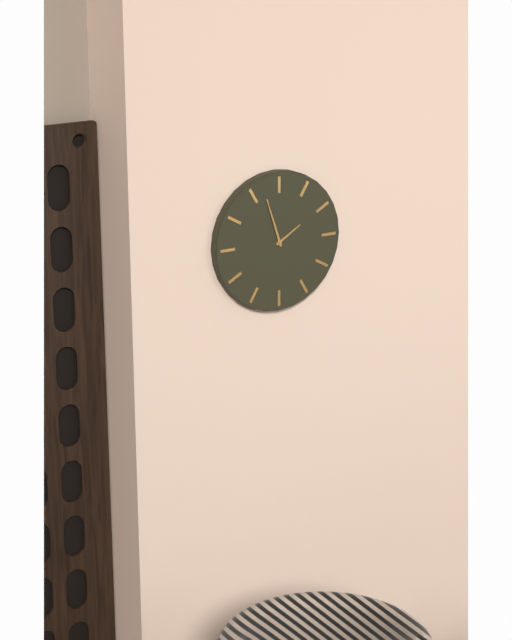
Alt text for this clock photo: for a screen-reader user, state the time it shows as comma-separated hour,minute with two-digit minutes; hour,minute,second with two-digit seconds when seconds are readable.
1,57
